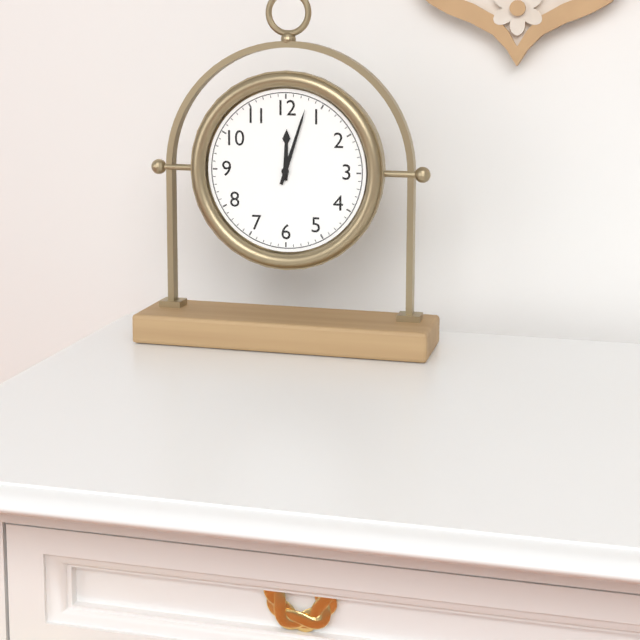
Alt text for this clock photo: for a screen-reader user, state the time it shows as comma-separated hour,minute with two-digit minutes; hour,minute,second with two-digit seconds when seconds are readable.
12,03
